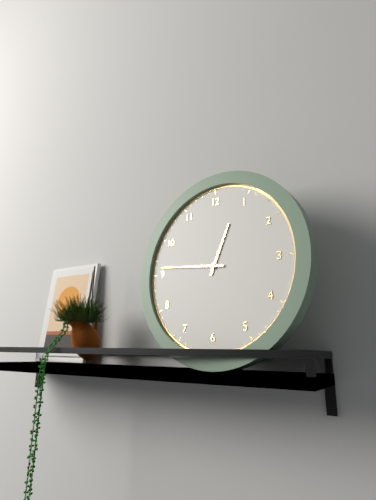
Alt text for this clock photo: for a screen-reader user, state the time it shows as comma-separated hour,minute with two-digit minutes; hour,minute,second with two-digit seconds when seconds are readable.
12,46
